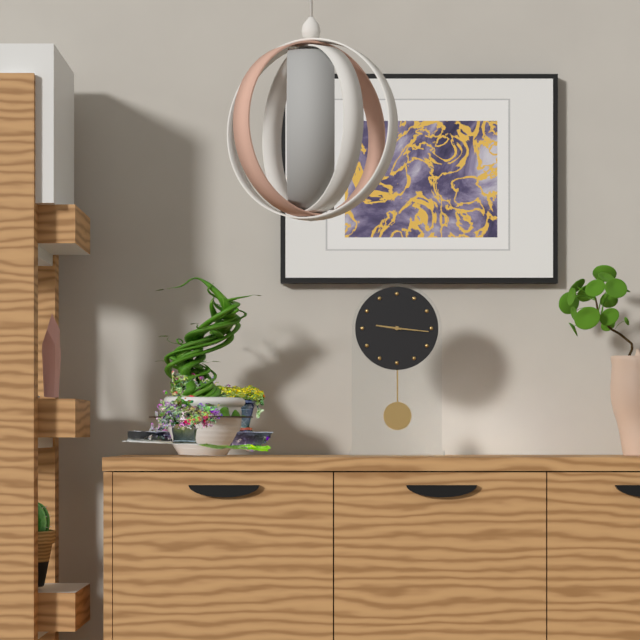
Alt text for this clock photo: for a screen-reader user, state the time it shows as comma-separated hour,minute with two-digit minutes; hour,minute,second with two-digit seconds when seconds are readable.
9,16
